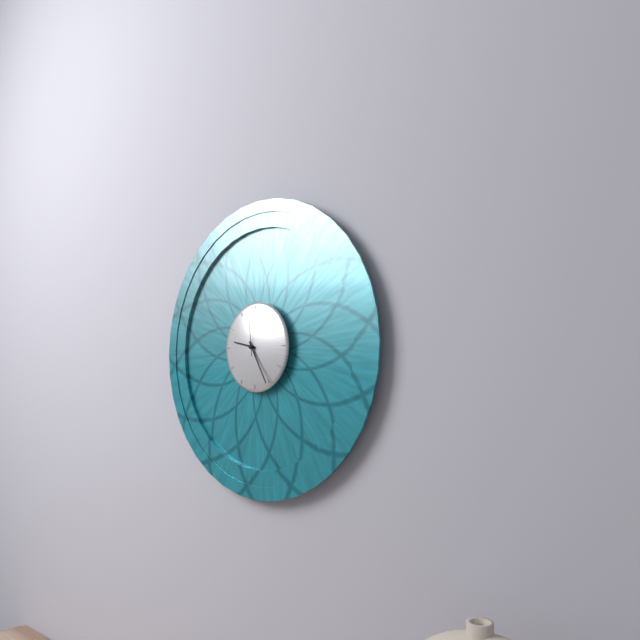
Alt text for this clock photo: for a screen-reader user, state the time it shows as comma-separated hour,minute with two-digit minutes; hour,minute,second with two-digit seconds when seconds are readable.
9,25
